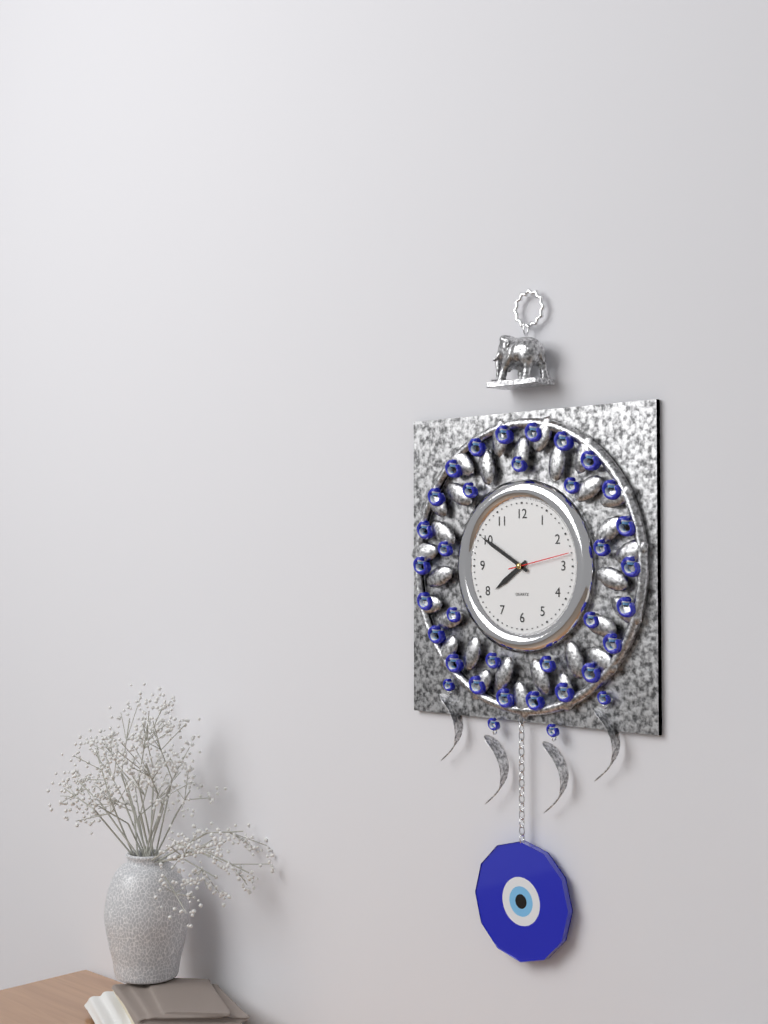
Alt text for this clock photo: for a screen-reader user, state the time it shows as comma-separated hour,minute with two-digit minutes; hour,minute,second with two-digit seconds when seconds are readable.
7,50,13
